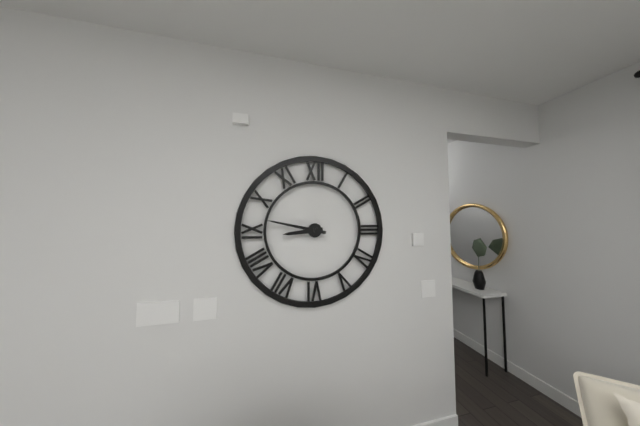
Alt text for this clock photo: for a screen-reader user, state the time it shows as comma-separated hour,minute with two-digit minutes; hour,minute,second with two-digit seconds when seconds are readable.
8,47
